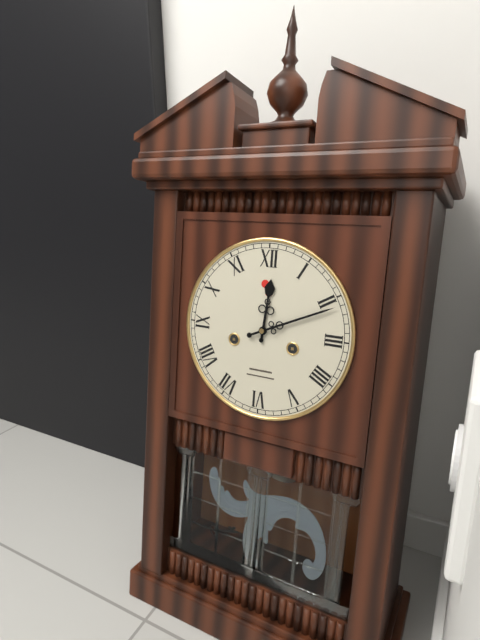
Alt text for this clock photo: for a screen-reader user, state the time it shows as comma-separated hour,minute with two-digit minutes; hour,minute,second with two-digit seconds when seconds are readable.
12,11
